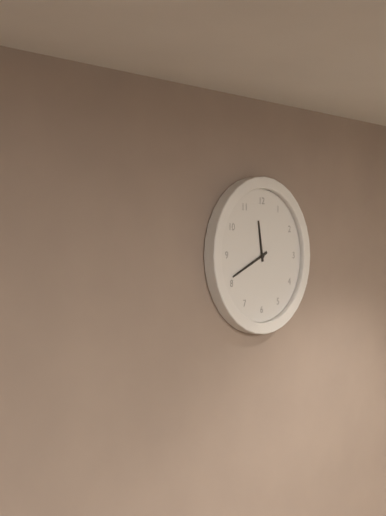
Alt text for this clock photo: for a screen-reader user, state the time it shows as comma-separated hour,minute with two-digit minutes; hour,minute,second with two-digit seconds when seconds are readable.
11,41
